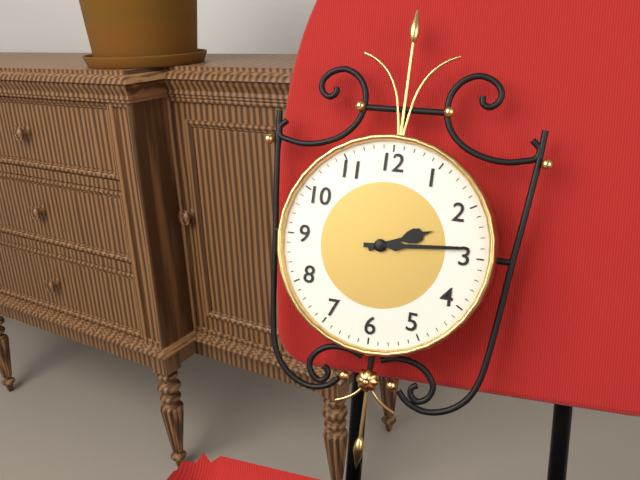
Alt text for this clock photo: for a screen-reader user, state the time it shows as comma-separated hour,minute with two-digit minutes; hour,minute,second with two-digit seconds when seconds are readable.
2,14
